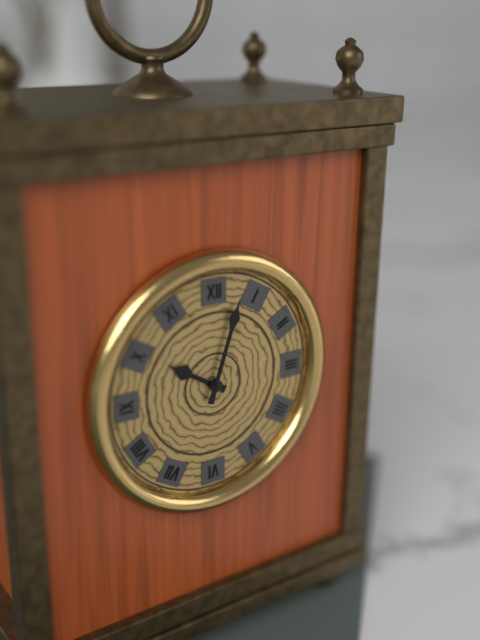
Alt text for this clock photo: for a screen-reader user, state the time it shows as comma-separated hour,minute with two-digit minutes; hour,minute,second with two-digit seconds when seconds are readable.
10,03
